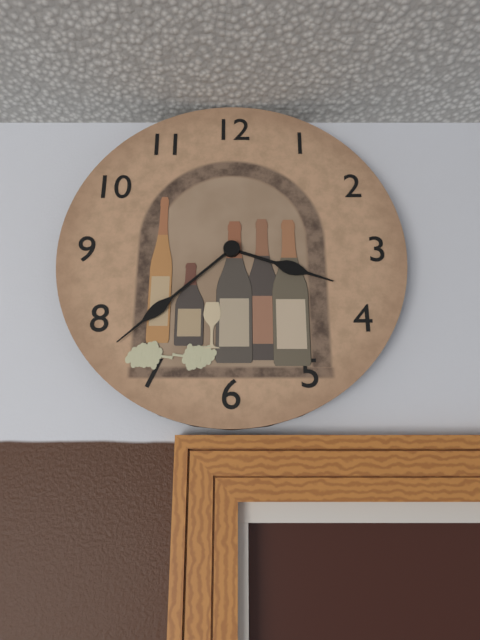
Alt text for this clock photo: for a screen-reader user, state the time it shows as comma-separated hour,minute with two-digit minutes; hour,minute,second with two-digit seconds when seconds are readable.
3,38
